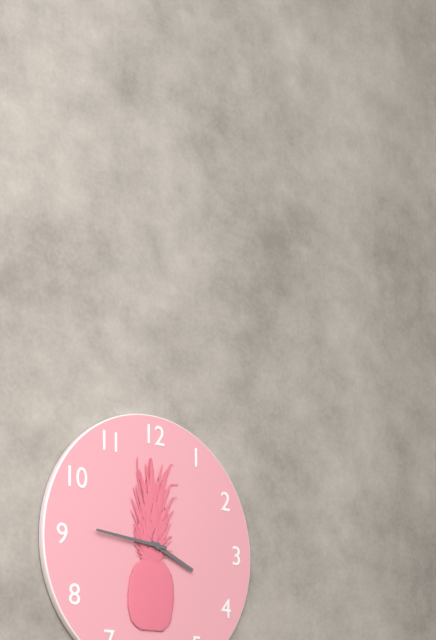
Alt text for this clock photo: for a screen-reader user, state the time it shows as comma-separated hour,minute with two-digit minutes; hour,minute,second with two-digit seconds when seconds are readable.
3,46
